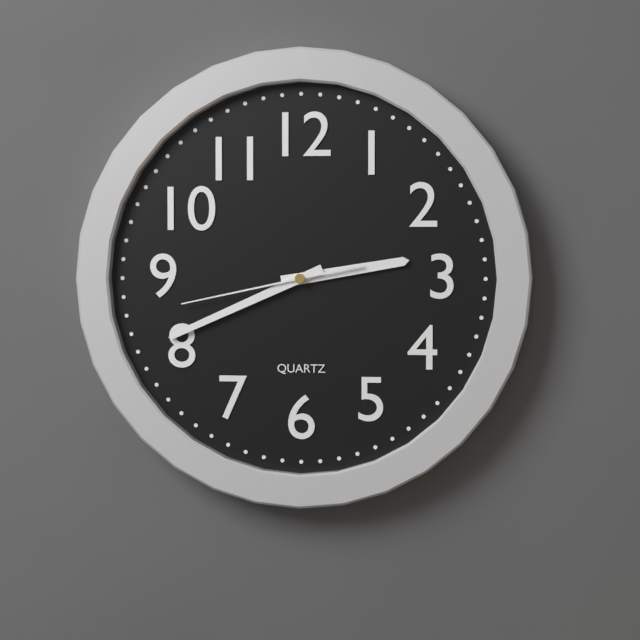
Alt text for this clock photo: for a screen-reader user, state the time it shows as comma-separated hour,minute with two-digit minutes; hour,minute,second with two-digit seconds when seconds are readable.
2,41,43
